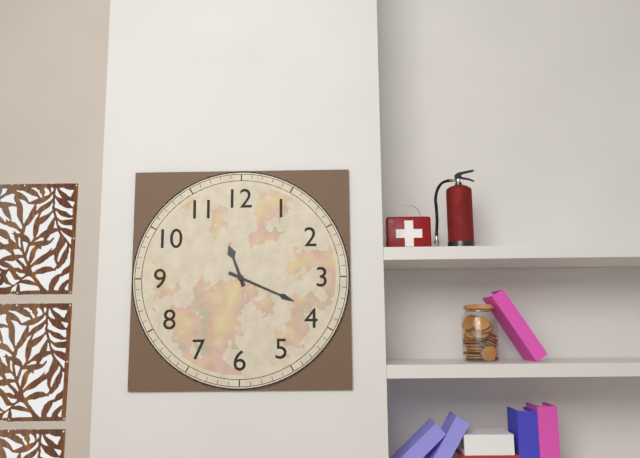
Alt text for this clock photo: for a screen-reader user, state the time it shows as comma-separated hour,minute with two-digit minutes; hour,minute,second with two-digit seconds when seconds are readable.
11,19
